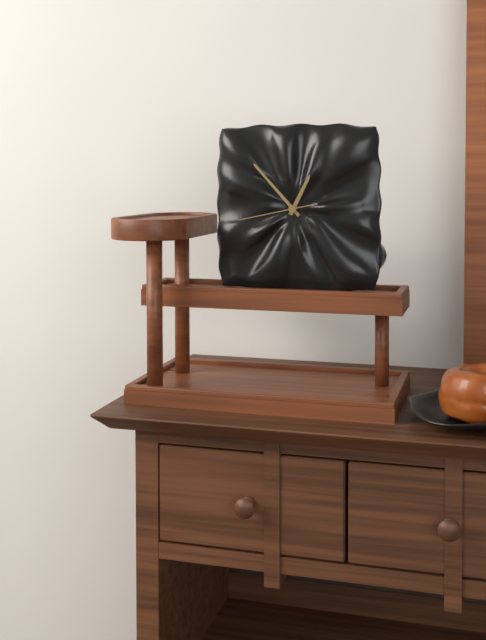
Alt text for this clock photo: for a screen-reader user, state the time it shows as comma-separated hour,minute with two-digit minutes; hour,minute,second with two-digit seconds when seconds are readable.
12,53,43
